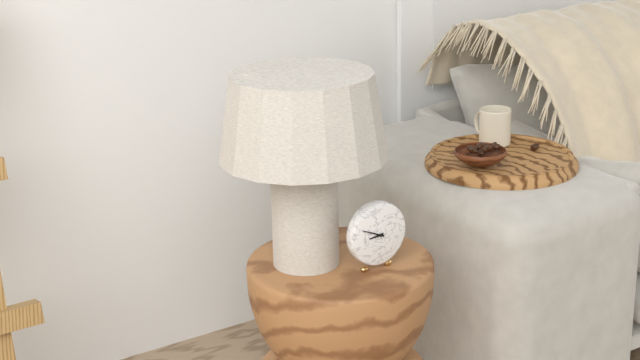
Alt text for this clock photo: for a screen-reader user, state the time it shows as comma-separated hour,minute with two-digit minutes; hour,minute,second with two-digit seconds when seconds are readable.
8,49
